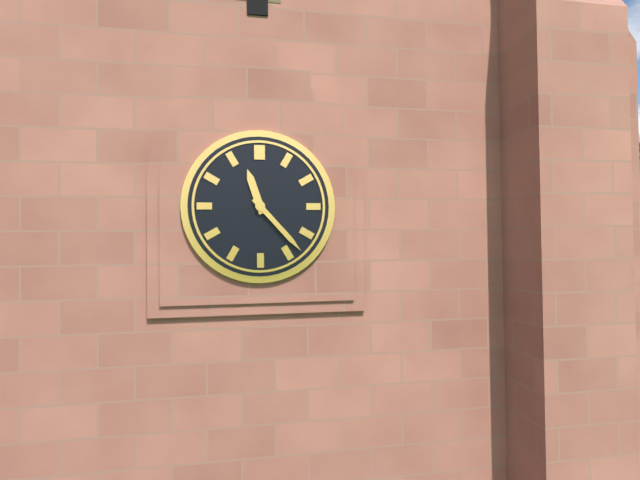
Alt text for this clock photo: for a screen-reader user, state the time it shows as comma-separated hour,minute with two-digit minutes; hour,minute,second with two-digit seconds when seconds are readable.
11,23
